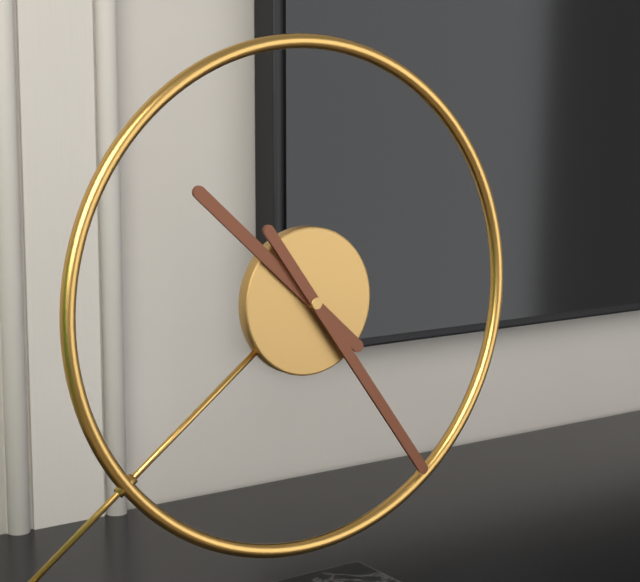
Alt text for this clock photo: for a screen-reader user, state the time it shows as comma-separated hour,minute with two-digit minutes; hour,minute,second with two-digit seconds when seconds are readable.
10,24
